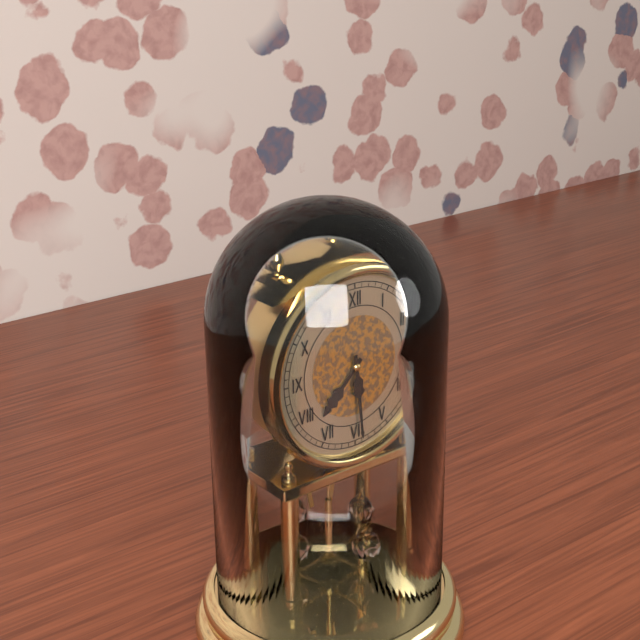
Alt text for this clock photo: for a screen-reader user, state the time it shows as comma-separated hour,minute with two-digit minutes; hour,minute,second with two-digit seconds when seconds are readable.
7,29
